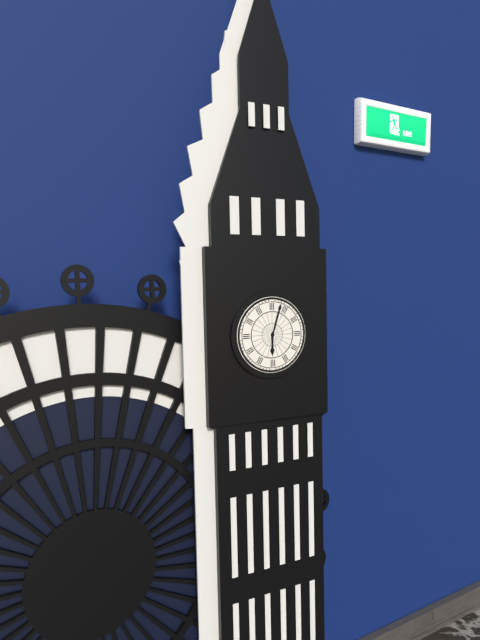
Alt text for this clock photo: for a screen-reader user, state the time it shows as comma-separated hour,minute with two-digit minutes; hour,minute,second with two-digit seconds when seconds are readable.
6,03
